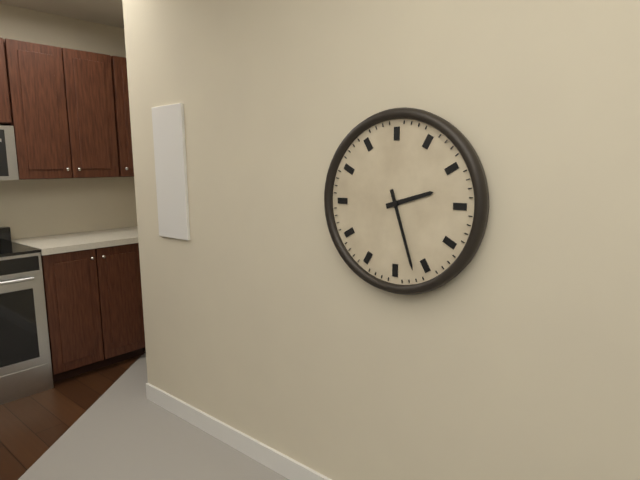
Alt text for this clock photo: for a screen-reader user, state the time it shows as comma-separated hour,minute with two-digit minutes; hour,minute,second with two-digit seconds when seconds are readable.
2,27
